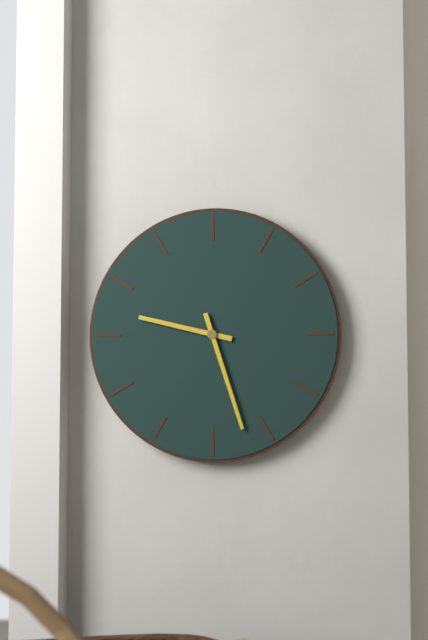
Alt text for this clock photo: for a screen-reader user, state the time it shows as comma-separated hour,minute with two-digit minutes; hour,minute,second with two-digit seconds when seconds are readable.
9,27
